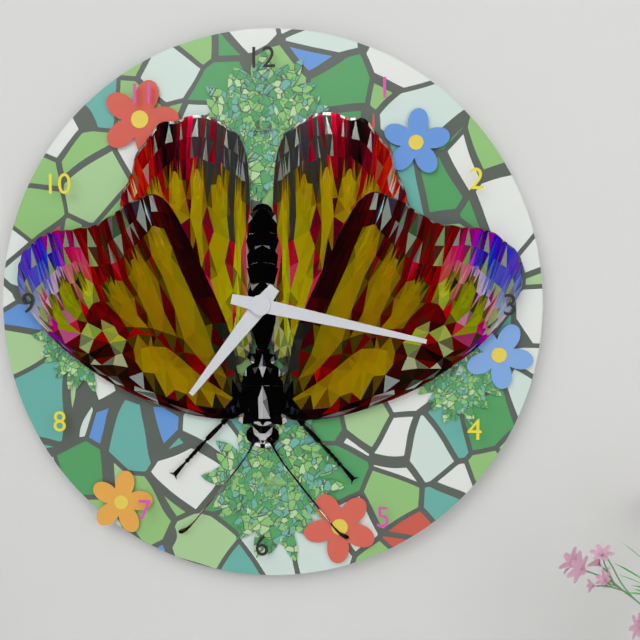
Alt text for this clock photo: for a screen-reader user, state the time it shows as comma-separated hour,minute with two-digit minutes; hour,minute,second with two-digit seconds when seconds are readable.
7,17
